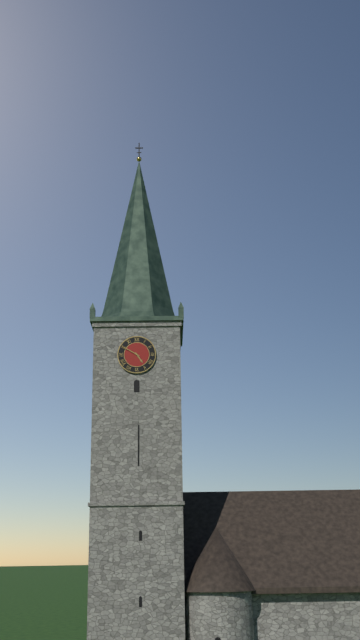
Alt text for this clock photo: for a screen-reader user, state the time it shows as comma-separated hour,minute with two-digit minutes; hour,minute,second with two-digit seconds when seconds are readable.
4,50
